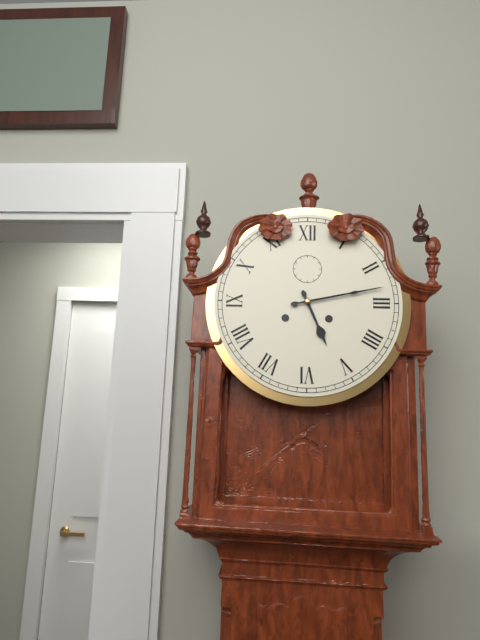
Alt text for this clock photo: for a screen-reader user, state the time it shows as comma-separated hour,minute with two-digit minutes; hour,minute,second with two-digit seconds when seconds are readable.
5,13
